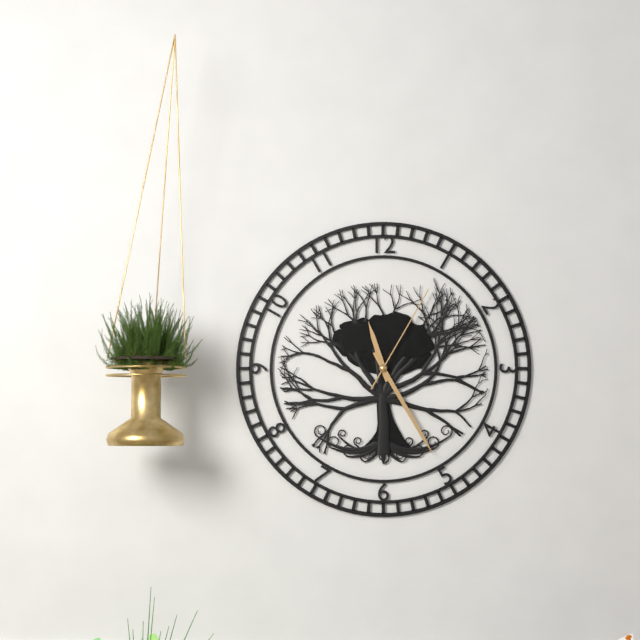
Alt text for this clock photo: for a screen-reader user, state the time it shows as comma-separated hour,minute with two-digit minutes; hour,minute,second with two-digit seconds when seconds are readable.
11,25,05
